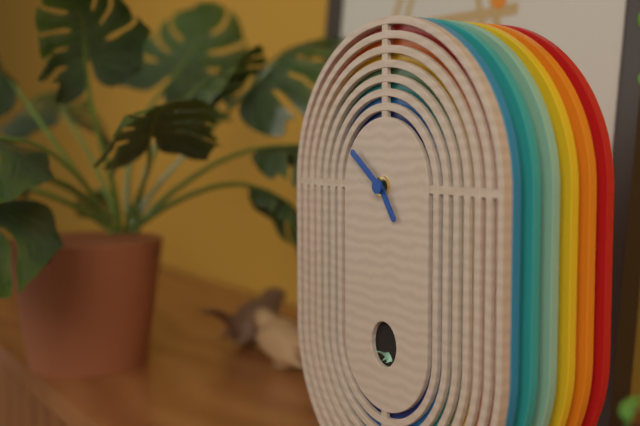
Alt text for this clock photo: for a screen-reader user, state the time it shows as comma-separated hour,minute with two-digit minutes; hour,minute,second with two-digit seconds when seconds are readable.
4,51
